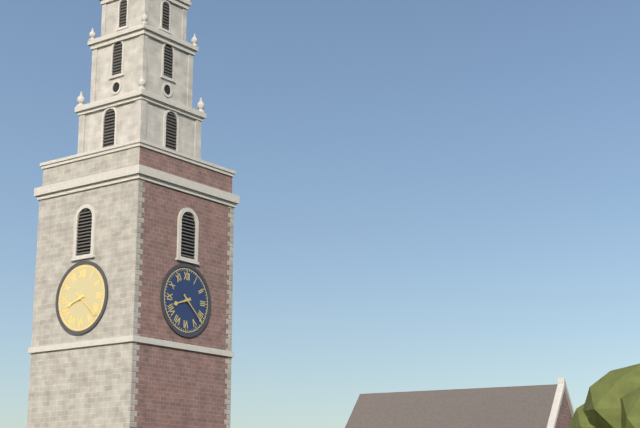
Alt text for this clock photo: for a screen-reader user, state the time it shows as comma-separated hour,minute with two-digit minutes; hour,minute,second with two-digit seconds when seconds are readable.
8,22
